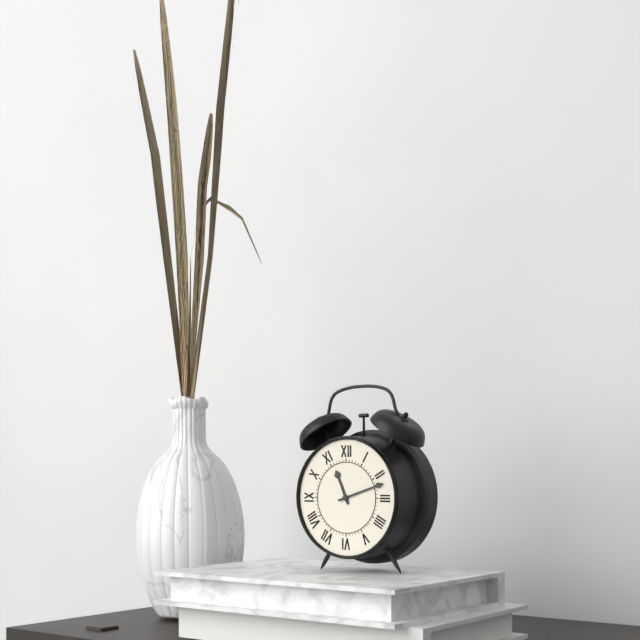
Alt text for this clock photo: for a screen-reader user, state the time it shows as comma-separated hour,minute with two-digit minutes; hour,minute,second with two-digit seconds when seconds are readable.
11,12
